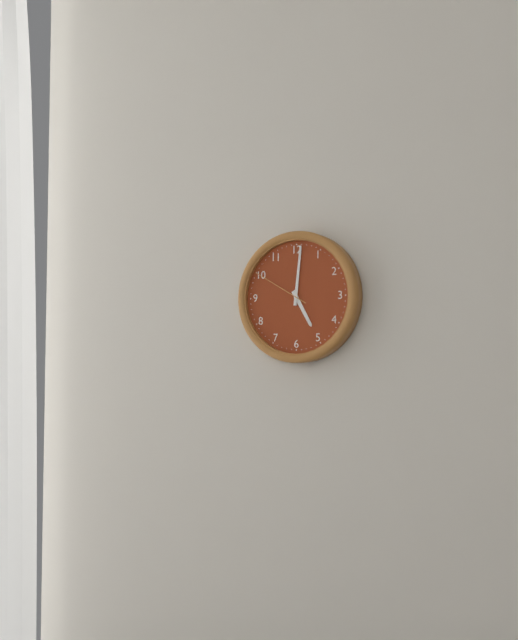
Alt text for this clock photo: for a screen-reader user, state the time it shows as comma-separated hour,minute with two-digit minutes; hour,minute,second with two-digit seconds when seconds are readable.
5,01,50
